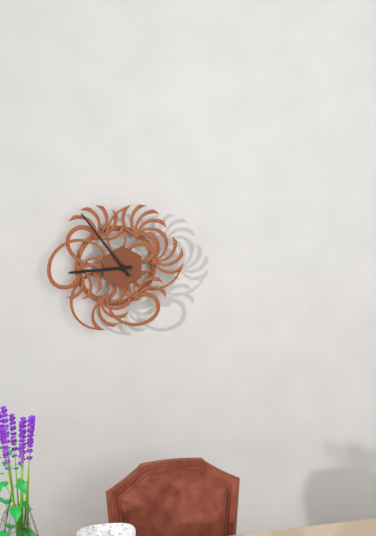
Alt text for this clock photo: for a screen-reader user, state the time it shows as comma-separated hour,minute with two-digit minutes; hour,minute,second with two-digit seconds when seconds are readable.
8,54
